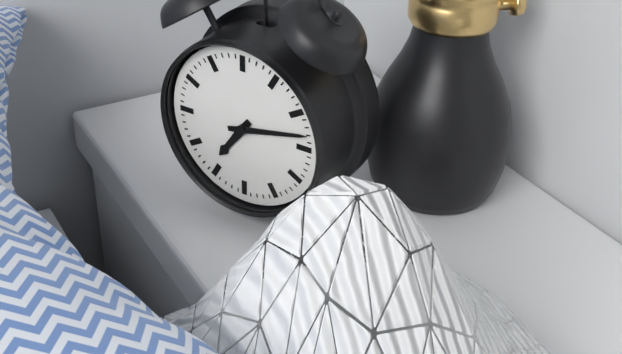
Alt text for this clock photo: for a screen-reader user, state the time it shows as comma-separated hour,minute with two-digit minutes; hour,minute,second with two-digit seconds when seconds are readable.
7,13
